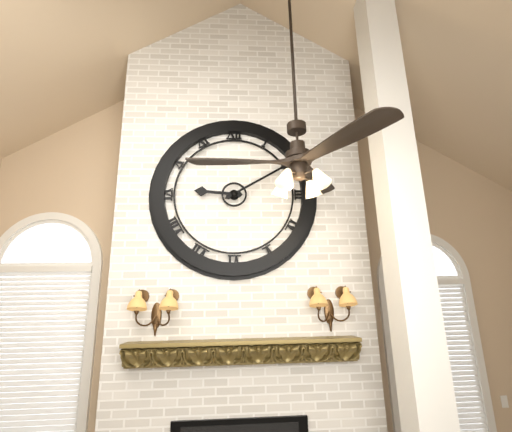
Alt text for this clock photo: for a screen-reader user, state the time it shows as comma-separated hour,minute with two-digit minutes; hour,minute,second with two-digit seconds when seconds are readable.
9,10
